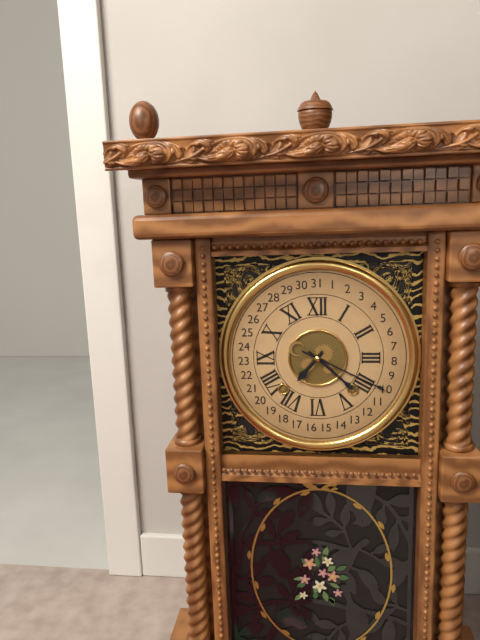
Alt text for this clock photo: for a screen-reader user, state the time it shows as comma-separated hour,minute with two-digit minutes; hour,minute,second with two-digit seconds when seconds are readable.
7,22
